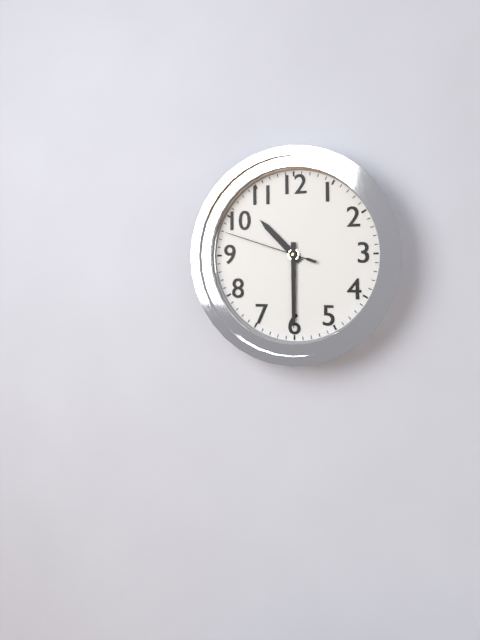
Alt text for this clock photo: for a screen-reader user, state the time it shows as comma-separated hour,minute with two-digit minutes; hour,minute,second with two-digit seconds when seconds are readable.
10,30,48
